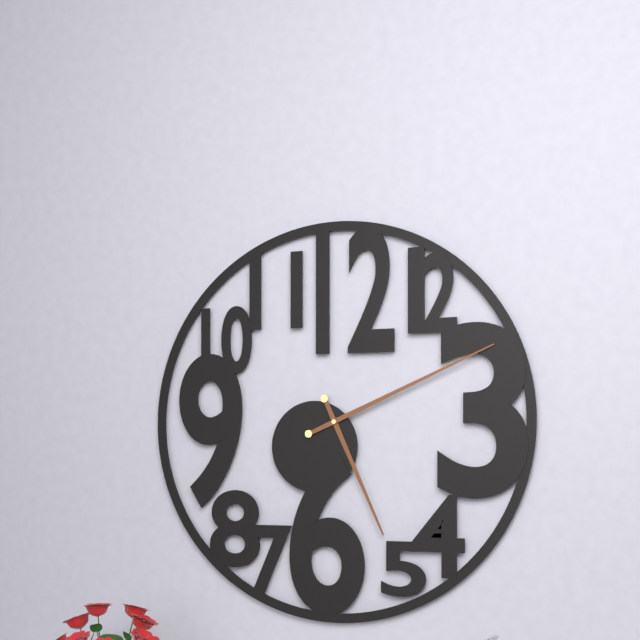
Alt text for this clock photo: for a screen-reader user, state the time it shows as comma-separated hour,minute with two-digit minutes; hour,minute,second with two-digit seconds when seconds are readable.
5,11
